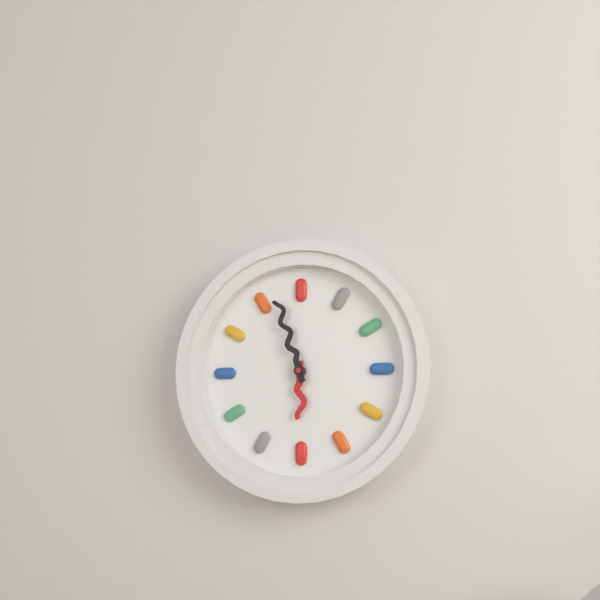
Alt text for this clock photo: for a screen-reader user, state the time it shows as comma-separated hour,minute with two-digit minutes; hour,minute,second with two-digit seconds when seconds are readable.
5,57
